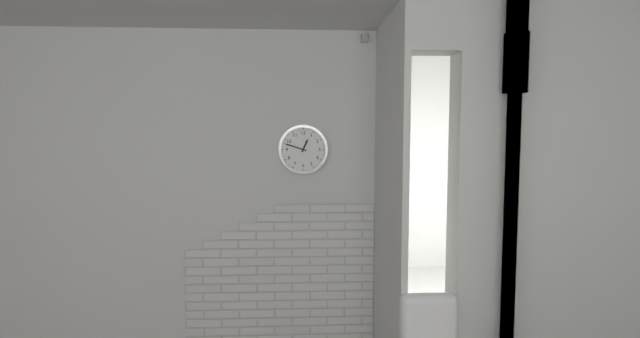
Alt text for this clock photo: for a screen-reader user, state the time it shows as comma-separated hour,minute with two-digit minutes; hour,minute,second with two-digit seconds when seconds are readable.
12,48
